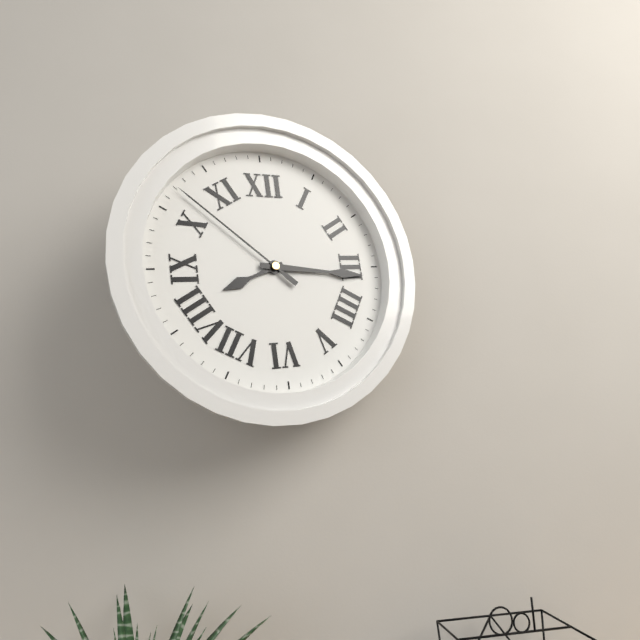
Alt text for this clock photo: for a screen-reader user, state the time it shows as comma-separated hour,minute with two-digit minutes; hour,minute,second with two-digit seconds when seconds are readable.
8,16,52
